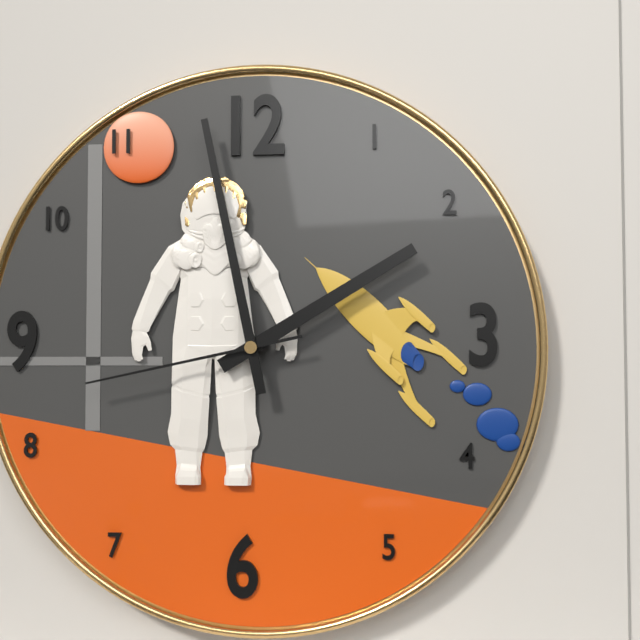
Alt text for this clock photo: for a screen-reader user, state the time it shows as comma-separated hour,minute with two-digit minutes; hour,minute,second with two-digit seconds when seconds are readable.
1,58,43
